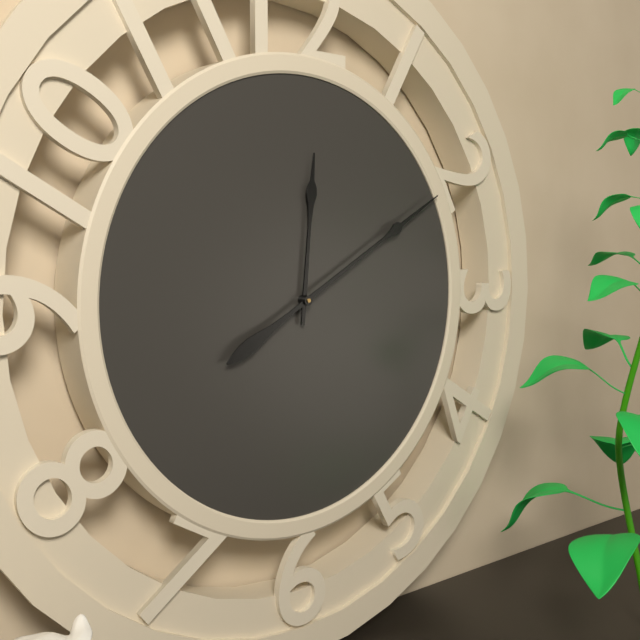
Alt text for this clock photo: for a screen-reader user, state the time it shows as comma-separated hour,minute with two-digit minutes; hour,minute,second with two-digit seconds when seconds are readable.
12,10
